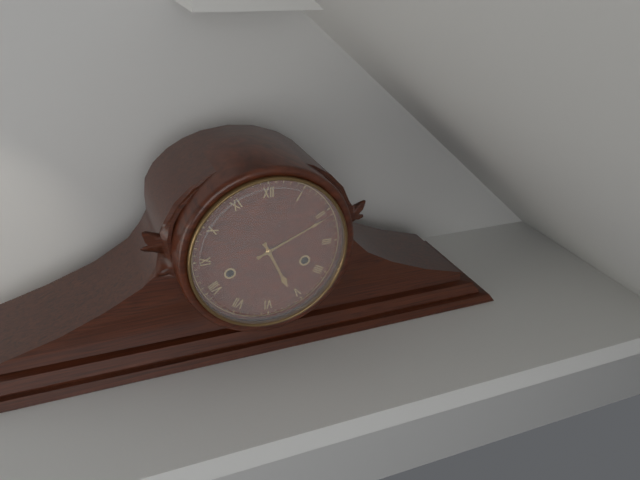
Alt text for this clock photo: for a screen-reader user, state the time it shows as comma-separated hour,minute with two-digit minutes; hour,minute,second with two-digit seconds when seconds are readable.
5,11
